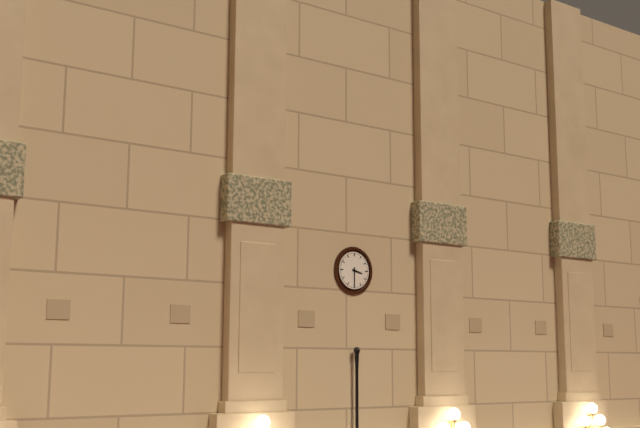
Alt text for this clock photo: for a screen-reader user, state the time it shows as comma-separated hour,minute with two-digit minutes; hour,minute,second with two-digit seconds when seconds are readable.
3,30
